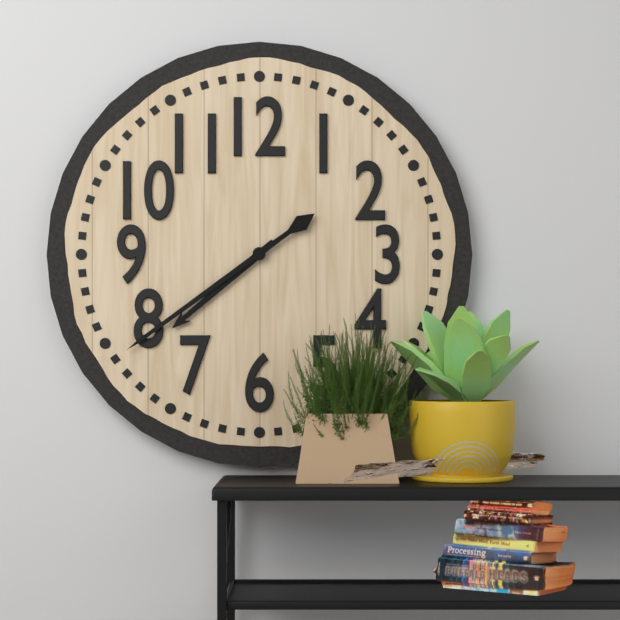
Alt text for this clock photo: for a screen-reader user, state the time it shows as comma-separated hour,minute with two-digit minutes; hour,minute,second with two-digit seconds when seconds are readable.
7,39
